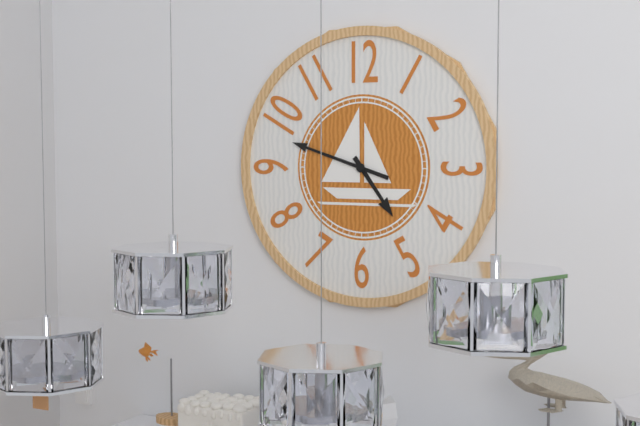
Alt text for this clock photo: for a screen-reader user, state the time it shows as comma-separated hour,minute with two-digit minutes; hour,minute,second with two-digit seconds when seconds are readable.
4,48
